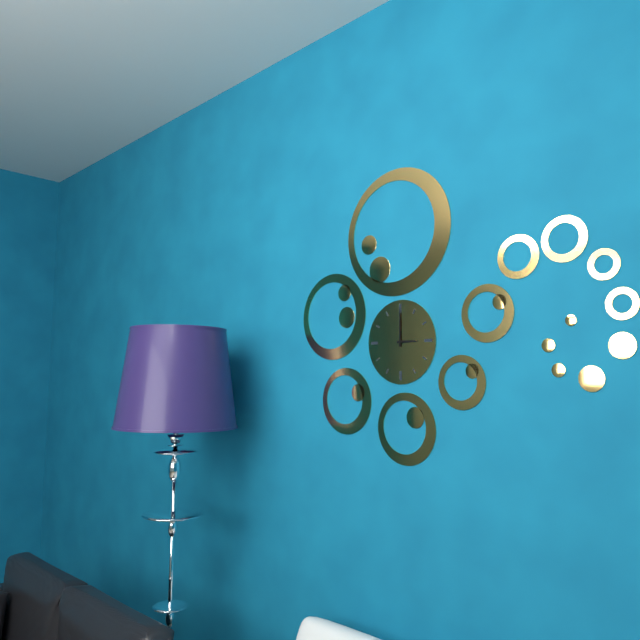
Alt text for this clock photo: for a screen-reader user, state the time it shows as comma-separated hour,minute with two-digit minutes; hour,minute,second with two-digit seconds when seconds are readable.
3,00
